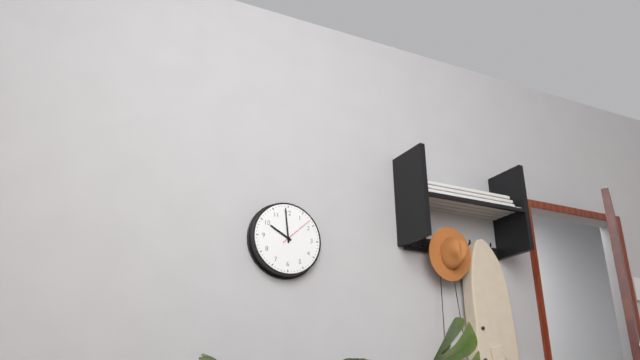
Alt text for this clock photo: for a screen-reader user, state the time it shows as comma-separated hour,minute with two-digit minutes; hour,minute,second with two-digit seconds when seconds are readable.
9,59
